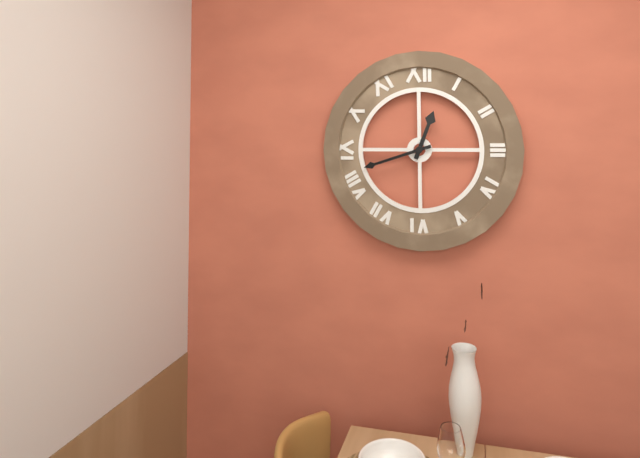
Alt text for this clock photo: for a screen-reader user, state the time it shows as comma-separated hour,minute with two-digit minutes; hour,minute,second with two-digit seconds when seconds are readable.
12,42
